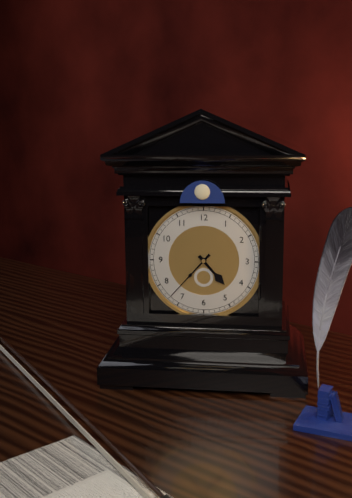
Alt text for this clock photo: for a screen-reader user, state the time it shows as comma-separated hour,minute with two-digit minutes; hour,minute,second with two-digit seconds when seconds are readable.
4,37
